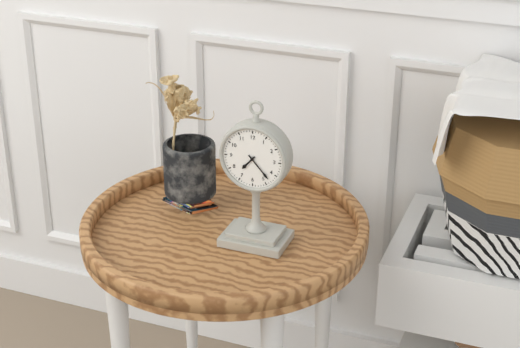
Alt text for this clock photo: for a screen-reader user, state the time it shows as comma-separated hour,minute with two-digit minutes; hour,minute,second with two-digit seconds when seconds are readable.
7,23
